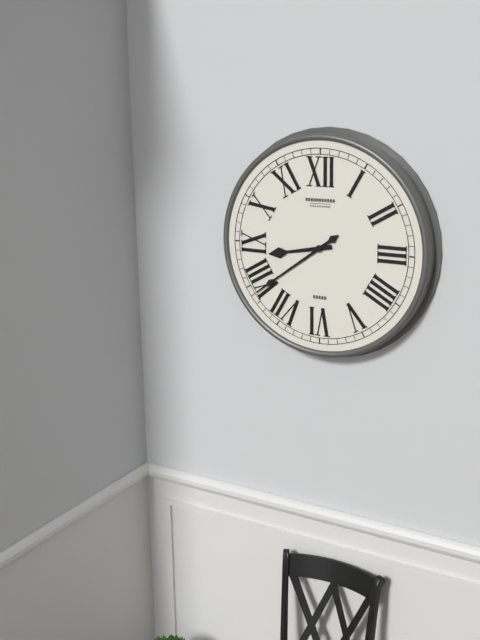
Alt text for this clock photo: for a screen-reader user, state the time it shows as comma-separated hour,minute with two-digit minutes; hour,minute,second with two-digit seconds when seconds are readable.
8,39
